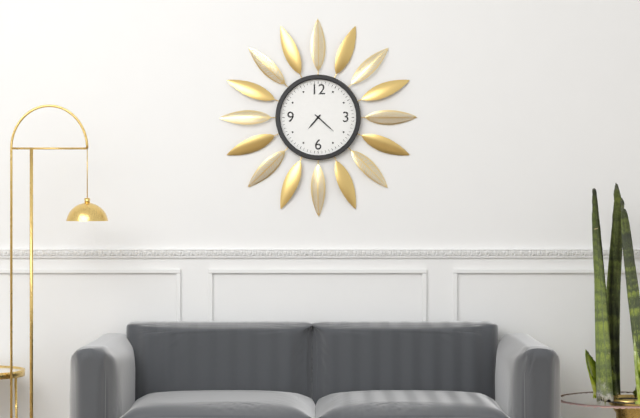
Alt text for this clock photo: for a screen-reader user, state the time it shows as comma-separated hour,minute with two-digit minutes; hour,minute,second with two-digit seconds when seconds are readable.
7,22
